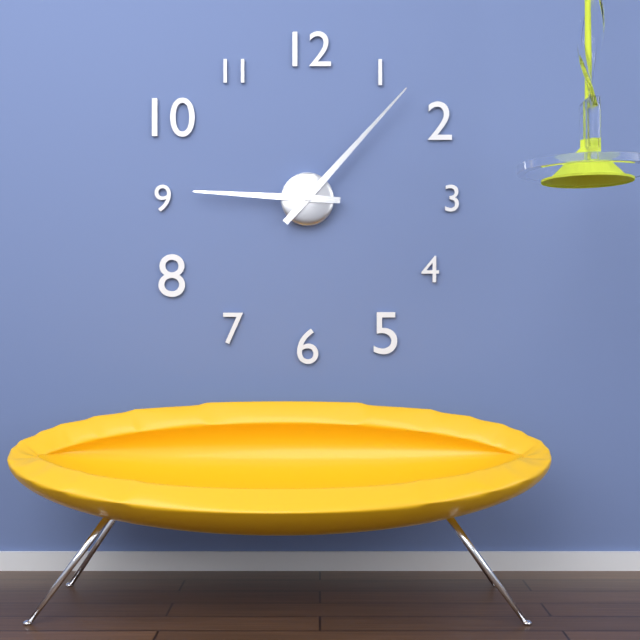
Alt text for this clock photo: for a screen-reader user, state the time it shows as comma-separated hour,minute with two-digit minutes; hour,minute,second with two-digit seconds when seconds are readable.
9,07
